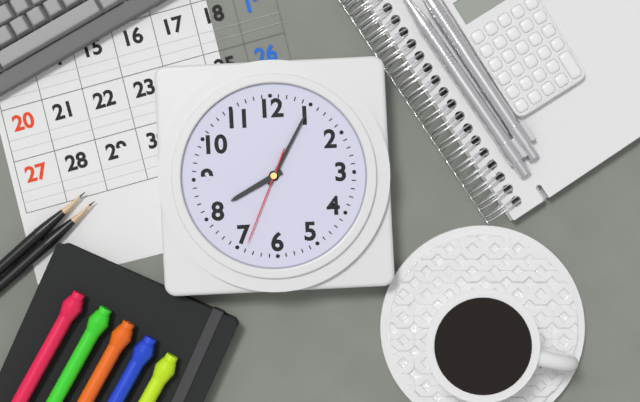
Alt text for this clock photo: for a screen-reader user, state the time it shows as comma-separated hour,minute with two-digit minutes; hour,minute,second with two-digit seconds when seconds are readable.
8,05,34
